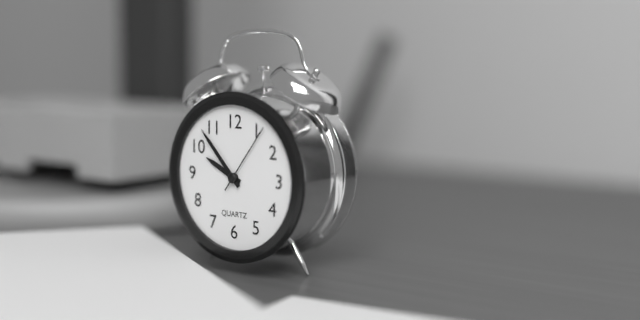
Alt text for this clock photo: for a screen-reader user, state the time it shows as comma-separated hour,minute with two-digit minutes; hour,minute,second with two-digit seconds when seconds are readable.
9,53,06
